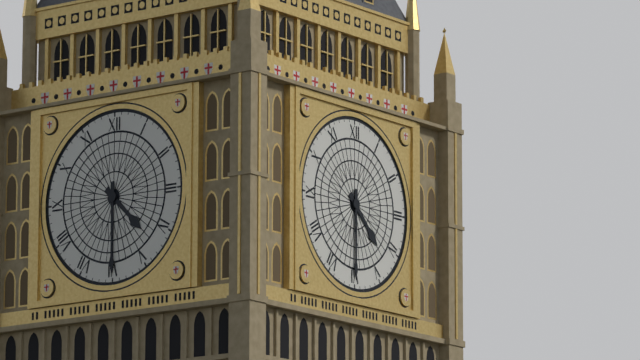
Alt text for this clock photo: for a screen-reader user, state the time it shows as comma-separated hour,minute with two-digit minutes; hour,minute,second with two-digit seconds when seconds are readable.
4,30
